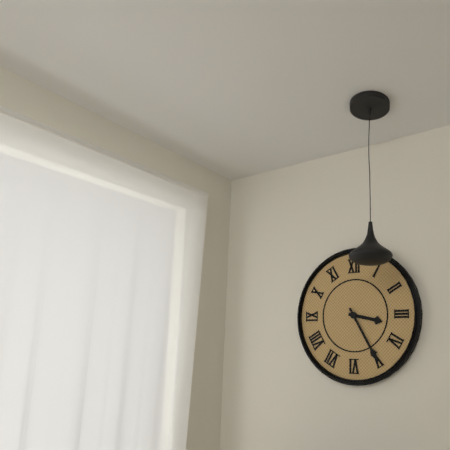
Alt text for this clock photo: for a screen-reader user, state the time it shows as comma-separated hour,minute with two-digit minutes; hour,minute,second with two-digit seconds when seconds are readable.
3,25
